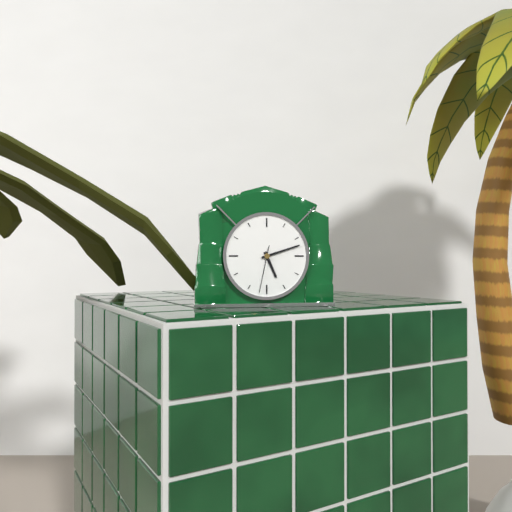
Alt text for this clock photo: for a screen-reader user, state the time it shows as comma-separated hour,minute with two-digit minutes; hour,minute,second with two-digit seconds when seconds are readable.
5,12
